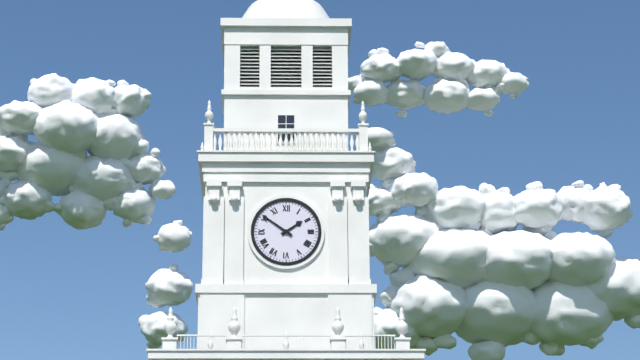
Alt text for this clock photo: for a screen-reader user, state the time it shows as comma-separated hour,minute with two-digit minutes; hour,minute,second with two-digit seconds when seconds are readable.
1,51
